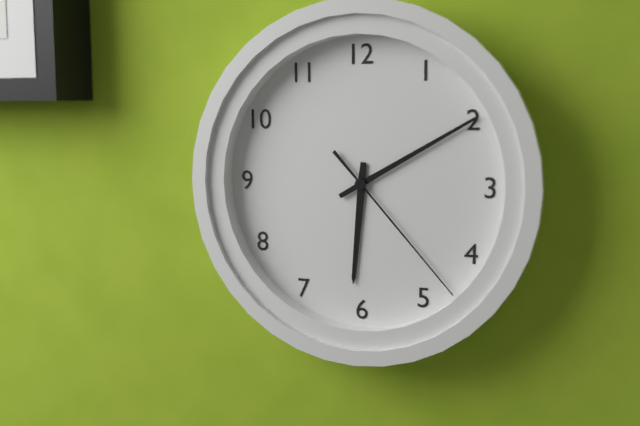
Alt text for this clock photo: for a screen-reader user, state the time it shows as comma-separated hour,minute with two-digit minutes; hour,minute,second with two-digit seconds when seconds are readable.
6,10,23
